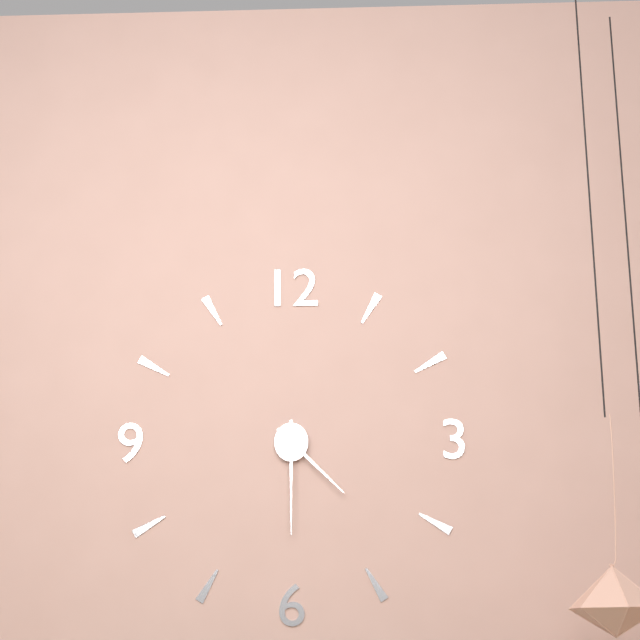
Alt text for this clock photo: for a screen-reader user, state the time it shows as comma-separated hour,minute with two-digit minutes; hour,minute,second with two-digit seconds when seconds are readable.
4,30
